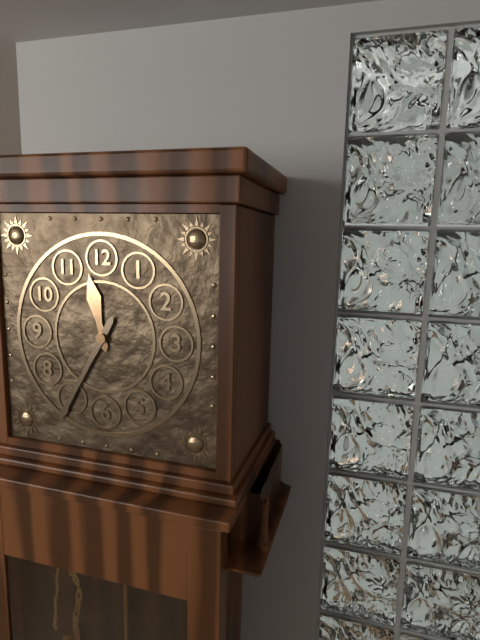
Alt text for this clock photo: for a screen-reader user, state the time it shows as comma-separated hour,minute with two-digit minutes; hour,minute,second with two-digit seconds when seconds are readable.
11,35
